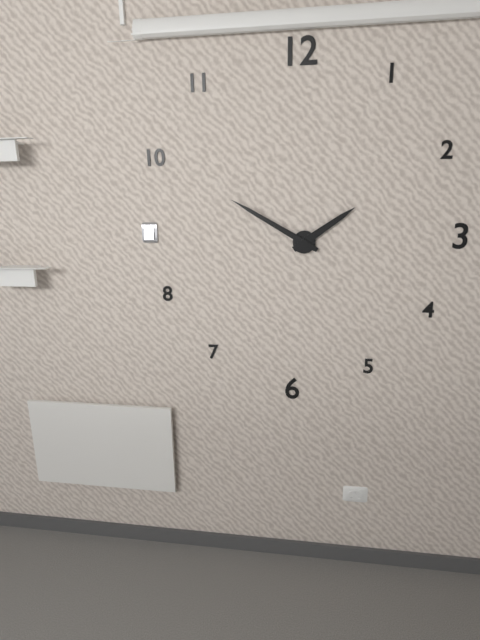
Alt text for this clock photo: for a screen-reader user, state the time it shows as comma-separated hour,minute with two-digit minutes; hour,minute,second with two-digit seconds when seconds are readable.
1,50
